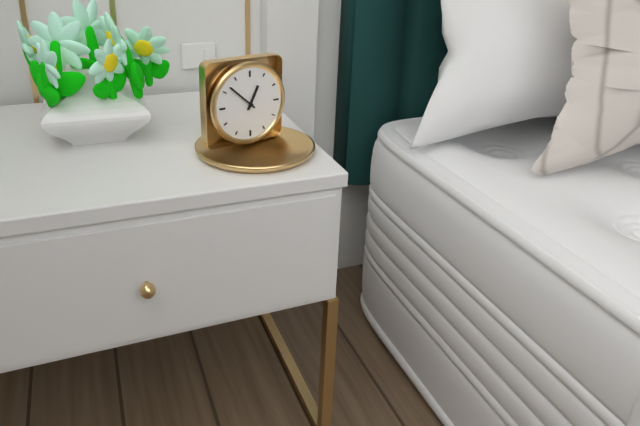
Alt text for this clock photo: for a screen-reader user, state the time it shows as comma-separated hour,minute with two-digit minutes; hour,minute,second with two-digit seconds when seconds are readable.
12,52
